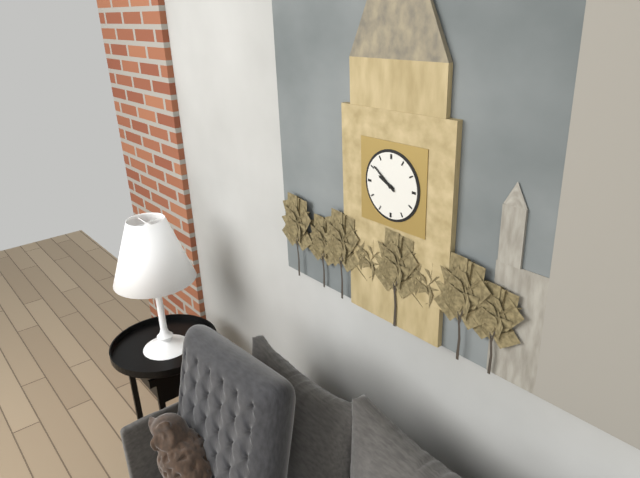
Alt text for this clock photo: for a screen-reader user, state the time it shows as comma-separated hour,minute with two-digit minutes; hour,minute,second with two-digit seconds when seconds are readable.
9,51
